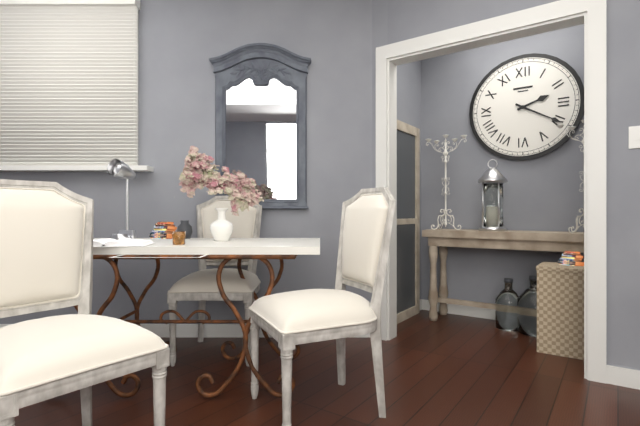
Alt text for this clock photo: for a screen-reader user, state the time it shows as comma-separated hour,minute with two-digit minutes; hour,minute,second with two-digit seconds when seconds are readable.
2,20
